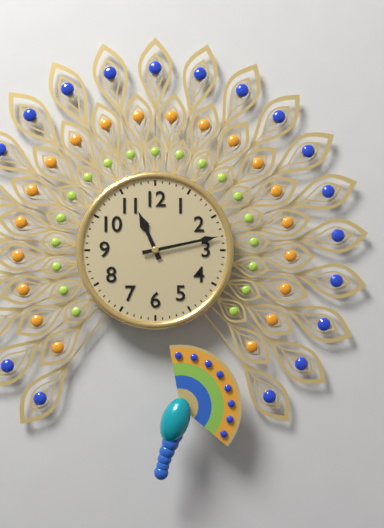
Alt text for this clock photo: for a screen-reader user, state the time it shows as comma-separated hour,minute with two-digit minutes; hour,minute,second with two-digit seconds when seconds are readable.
11,13
